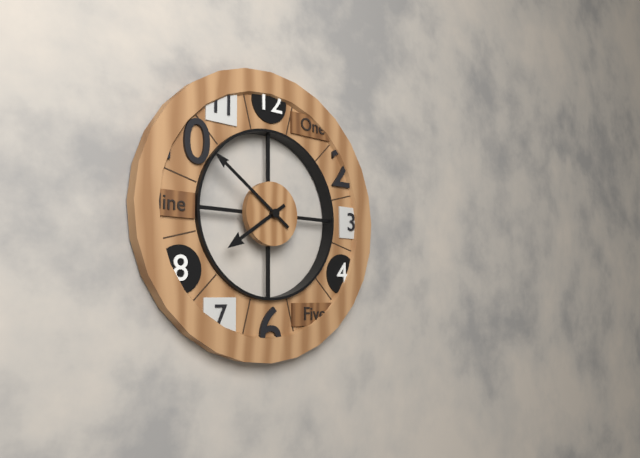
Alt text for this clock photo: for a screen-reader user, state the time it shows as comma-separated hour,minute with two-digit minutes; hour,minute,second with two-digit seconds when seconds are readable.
7,51
